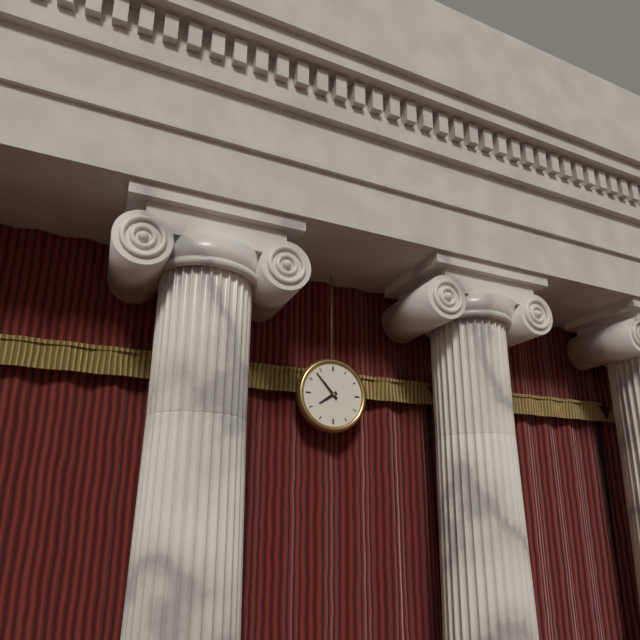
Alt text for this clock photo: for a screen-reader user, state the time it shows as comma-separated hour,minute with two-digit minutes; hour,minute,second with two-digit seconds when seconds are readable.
7,53
